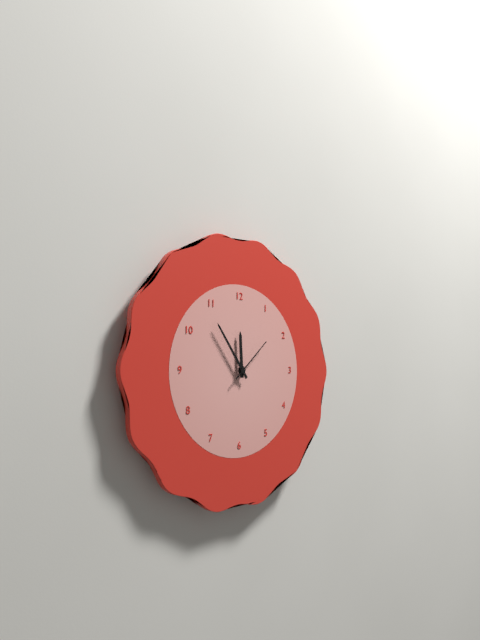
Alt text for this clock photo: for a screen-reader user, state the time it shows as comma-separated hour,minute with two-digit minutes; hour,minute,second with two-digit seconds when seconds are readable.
11,54
